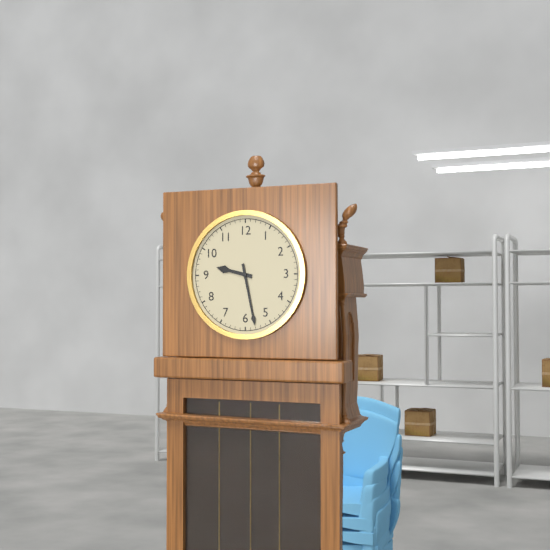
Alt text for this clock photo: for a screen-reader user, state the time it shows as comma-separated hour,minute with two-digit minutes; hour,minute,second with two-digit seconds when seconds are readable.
9,28
